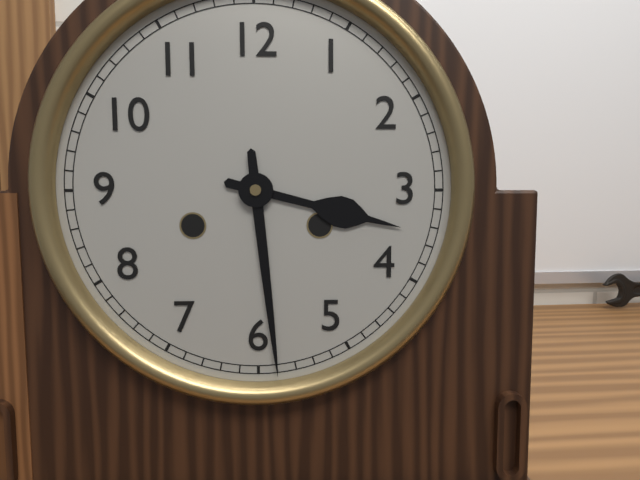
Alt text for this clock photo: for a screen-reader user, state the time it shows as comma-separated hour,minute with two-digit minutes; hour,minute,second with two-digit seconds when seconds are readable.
3,29
